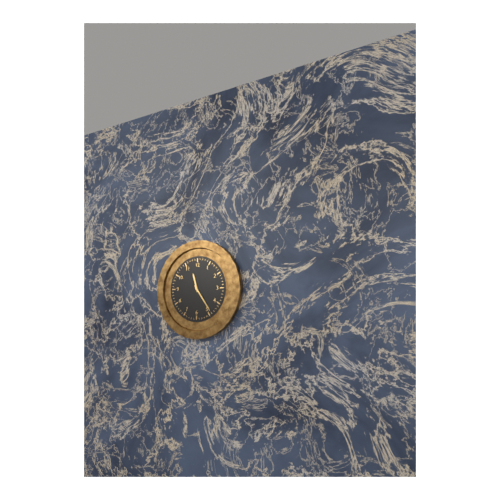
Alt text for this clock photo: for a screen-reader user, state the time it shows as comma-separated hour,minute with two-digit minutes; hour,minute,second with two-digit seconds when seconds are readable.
11,24
